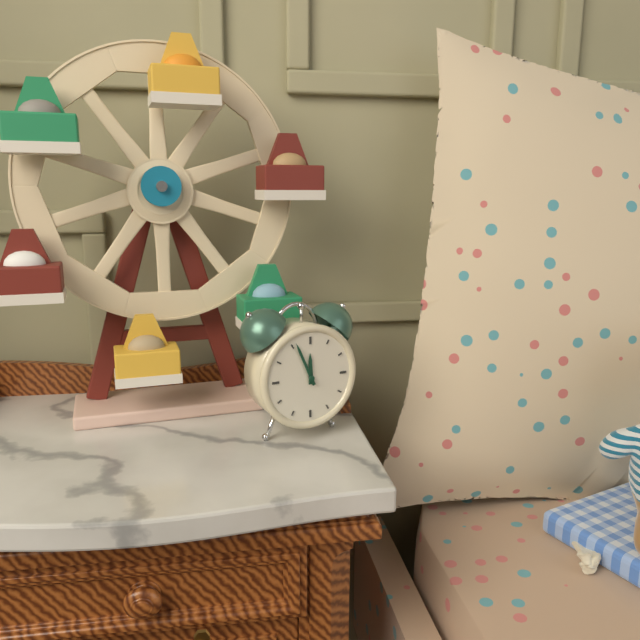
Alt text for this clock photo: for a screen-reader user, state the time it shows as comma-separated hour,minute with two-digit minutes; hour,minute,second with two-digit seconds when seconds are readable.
11,56
